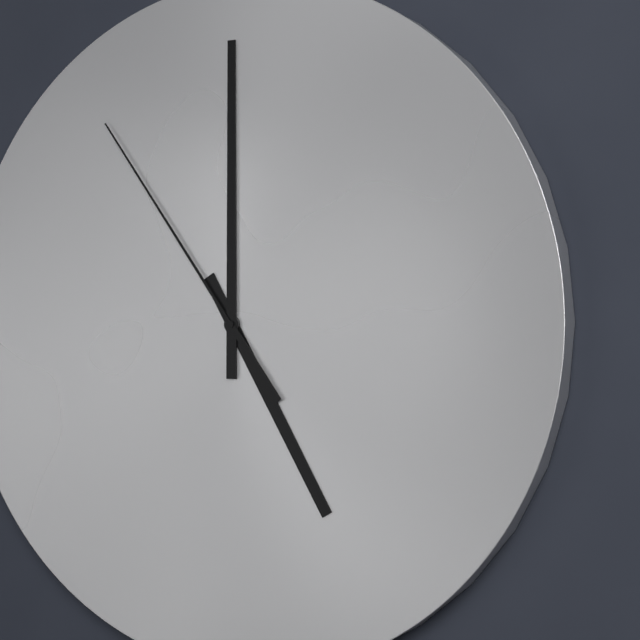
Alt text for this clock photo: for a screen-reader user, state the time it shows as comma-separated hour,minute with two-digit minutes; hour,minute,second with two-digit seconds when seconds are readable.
5,00,54
